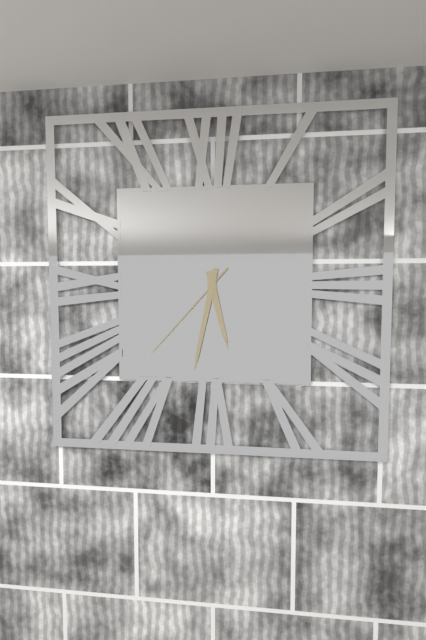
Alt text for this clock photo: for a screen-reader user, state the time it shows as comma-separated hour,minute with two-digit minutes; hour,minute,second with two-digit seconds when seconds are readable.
5,32,37
